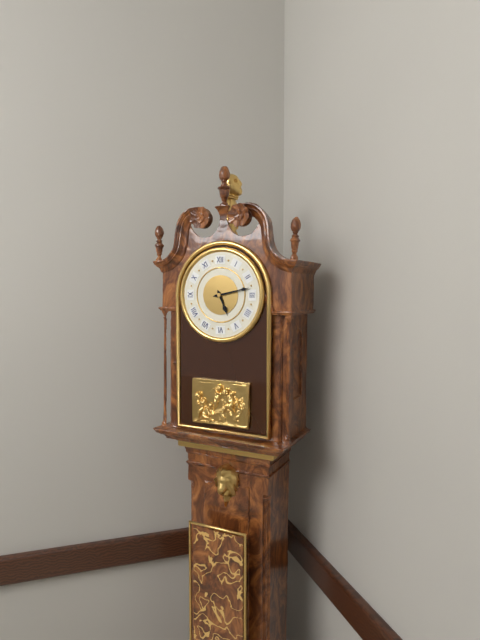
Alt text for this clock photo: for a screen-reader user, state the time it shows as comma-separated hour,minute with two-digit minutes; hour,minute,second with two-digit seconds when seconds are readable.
5,13
